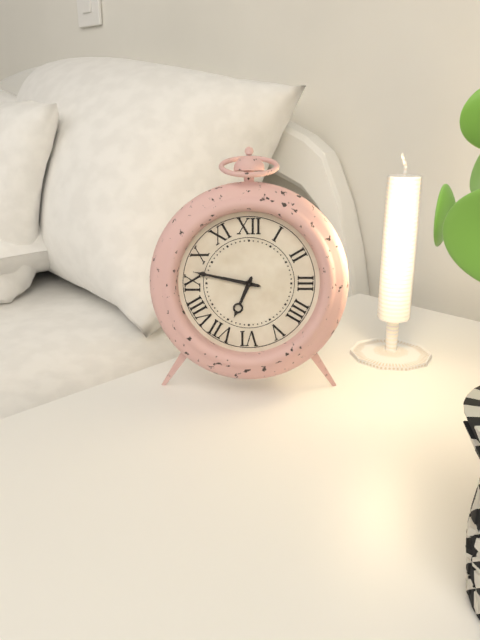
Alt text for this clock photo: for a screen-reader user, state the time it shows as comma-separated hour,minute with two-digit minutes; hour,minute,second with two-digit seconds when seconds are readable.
6,47
